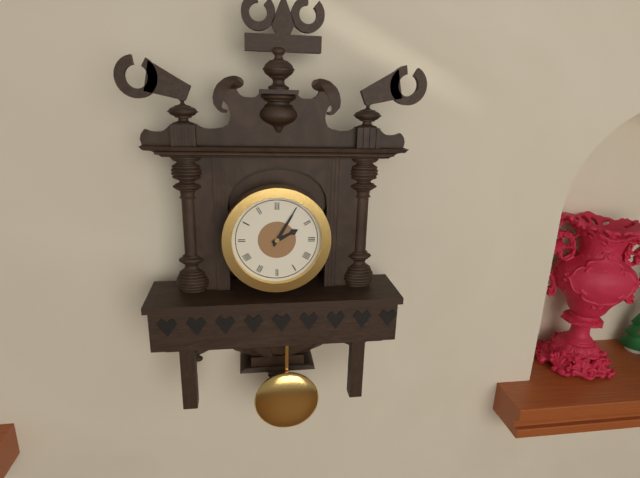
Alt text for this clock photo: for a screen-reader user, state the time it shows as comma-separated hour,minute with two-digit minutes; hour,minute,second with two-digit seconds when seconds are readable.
2,05
